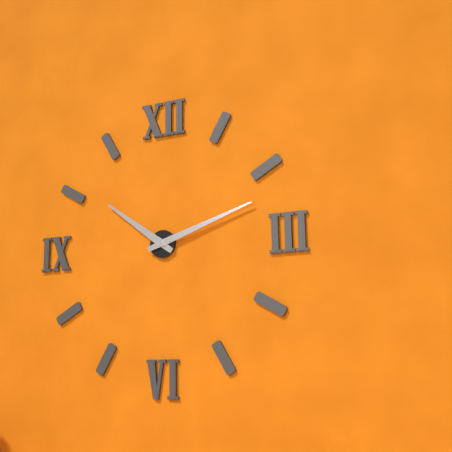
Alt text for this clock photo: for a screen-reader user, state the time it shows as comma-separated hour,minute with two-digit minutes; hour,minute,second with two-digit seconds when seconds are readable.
10,12
